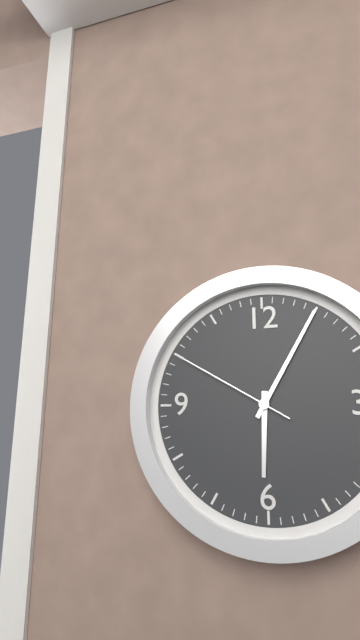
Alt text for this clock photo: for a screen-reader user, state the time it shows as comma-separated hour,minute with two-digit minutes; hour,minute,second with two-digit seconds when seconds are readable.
6,05,50
